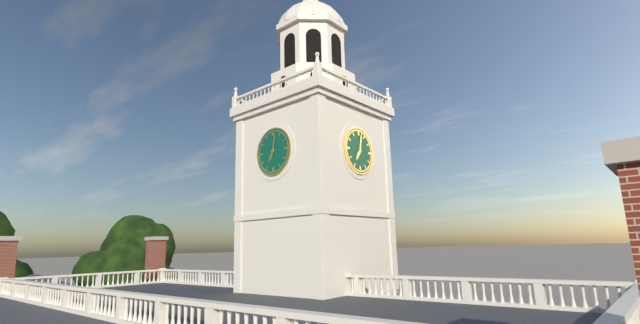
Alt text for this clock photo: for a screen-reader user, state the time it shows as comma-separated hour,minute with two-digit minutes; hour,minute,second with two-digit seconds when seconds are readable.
7,02
